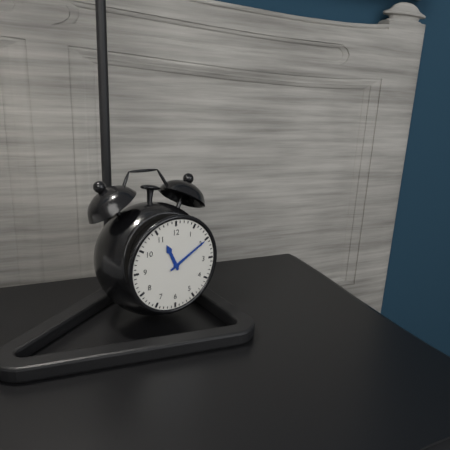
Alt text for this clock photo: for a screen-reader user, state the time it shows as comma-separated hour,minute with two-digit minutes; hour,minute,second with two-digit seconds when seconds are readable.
11,10
